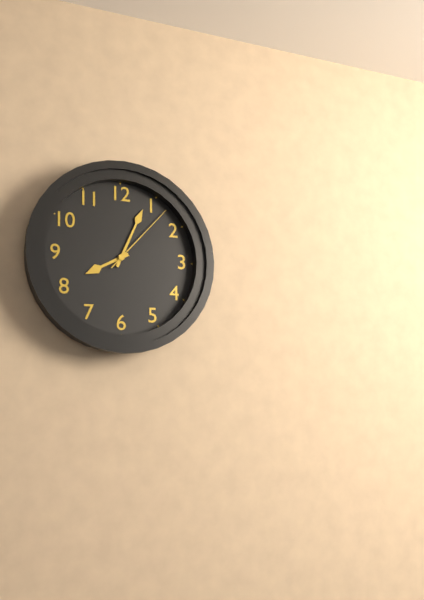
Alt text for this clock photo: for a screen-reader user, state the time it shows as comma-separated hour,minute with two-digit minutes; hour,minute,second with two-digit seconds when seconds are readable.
8,04,07
